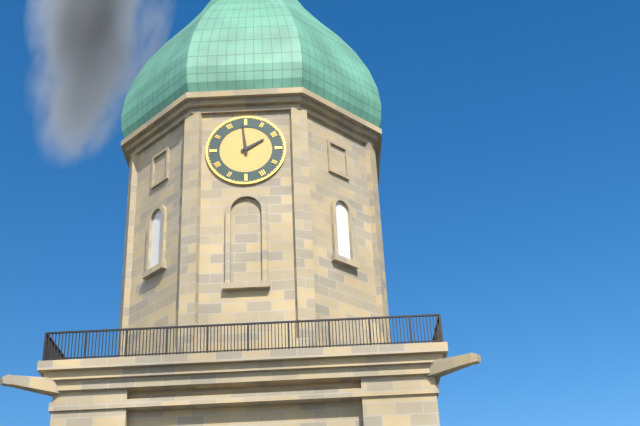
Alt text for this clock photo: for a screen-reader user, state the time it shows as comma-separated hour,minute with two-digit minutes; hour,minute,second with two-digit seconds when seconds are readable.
1,59
